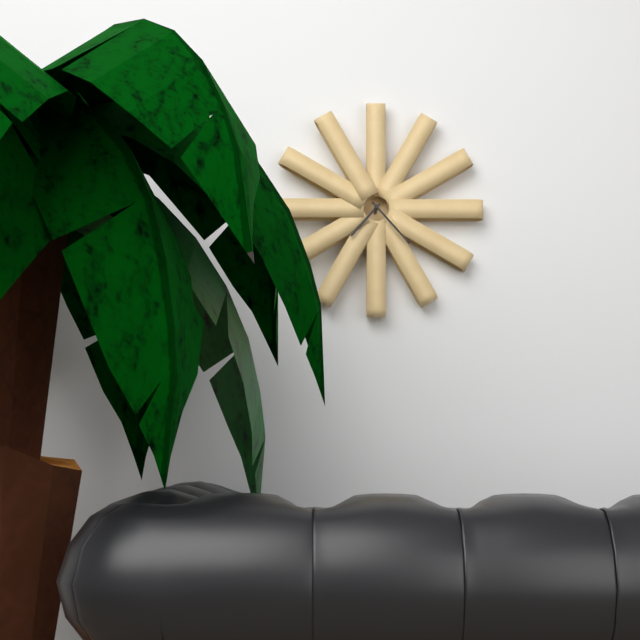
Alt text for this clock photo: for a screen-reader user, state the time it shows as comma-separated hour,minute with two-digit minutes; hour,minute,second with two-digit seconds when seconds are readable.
7,23
